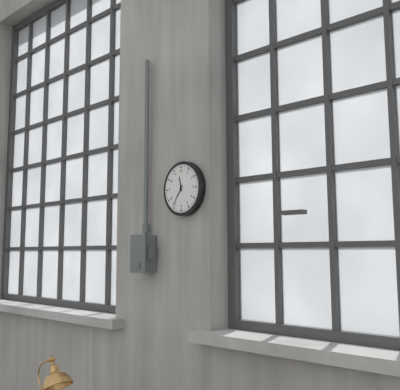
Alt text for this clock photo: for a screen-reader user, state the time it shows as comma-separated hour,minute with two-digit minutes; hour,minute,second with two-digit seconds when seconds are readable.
11,36
